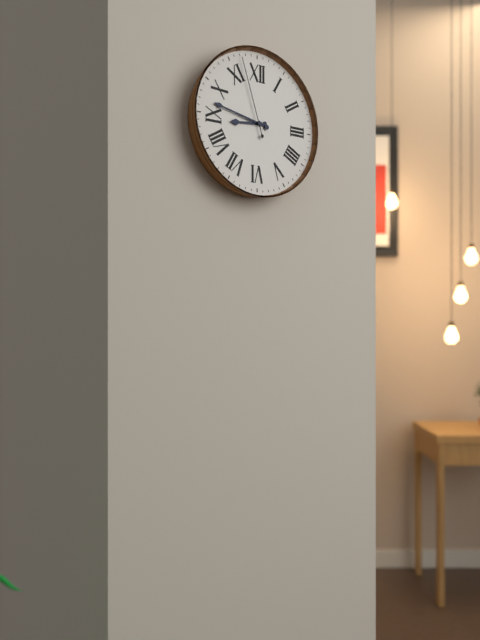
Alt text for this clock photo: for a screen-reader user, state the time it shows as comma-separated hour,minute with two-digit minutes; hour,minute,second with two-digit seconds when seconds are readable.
8,47,57
